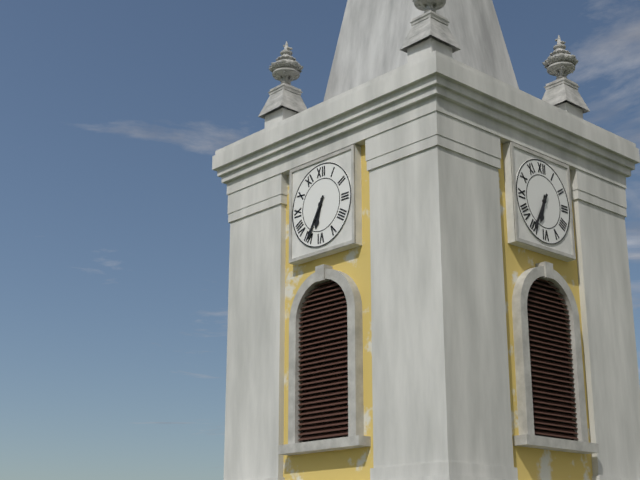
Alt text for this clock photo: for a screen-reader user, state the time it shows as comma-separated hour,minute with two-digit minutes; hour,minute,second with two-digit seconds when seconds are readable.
6,35
